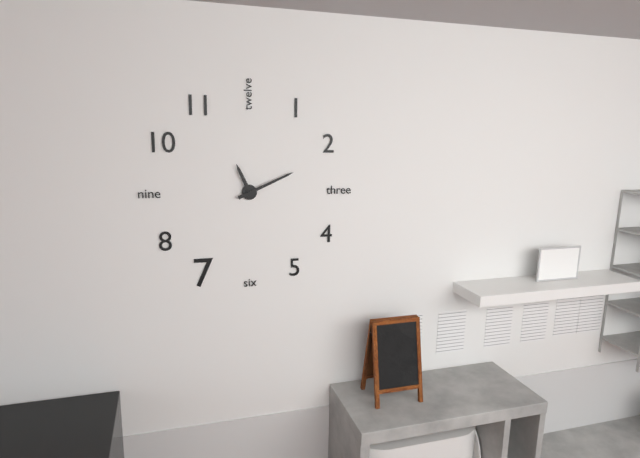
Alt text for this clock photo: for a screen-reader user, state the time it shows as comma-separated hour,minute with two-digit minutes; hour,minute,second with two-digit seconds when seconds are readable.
11,11
